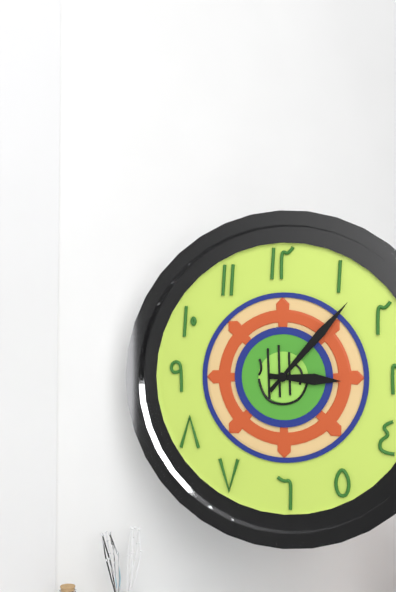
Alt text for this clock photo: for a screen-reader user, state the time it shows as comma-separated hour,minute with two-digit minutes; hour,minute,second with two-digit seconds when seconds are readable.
3,07
